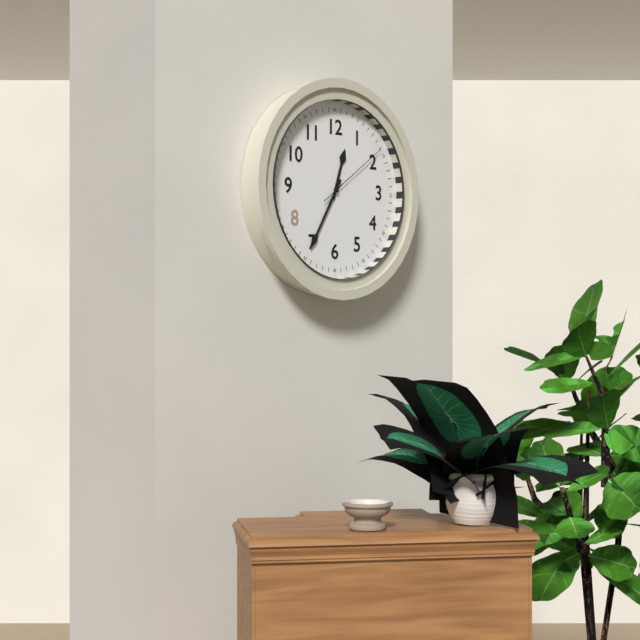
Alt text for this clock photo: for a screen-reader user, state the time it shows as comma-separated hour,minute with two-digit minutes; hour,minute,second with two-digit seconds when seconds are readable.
12,35,09
